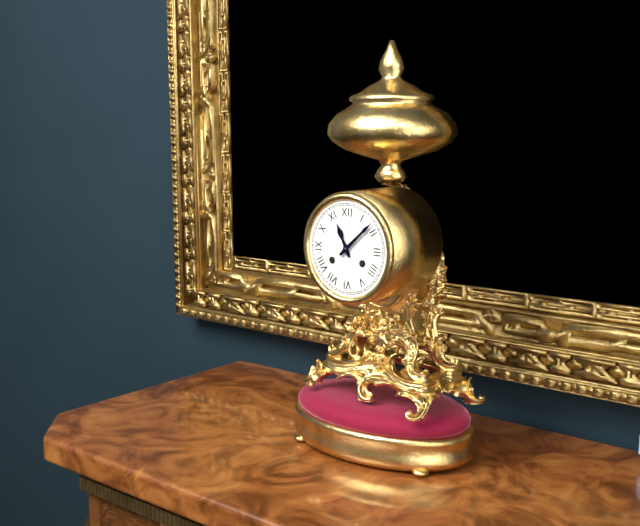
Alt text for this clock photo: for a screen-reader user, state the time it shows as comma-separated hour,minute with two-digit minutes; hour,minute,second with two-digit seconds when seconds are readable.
11,08
